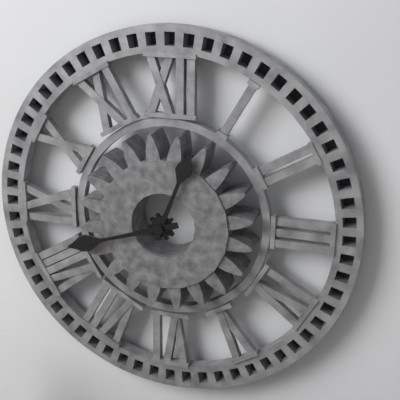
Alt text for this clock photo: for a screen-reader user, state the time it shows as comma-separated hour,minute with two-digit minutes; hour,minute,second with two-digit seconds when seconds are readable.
12,42
